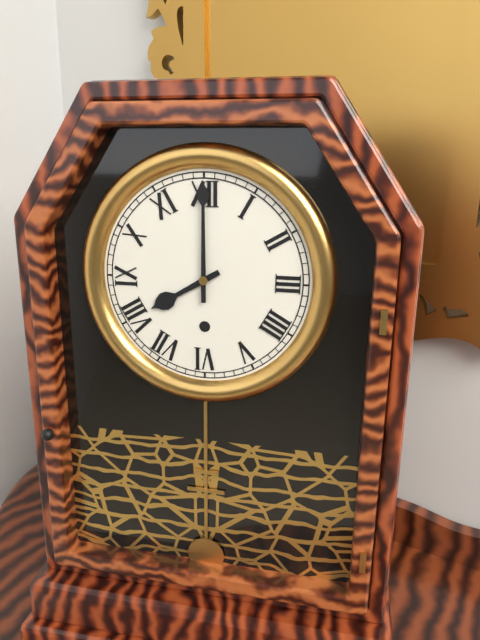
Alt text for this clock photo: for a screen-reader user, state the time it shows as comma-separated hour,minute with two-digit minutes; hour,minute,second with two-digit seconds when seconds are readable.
8,00
